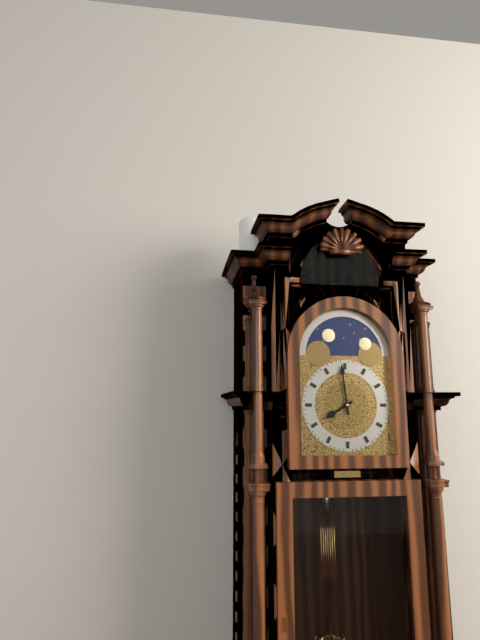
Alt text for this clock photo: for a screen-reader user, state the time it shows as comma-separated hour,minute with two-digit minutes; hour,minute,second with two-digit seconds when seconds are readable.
7,59
